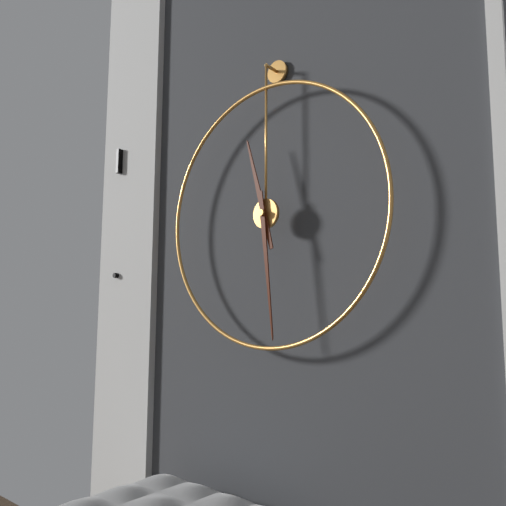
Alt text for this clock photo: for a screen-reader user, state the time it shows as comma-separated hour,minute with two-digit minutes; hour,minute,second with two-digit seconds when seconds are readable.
11,29
